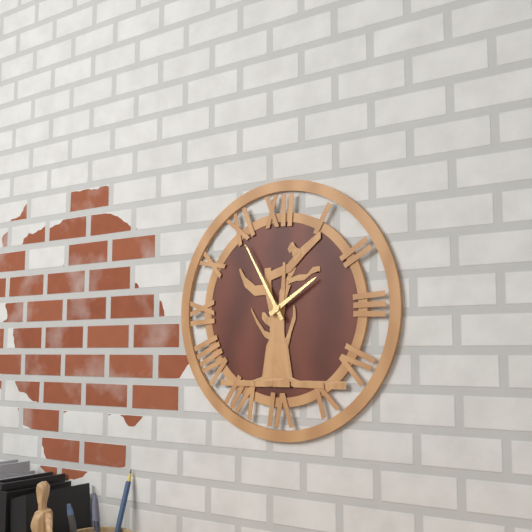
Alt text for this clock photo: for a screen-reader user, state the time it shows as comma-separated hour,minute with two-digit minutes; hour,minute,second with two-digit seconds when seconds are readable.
1,55
